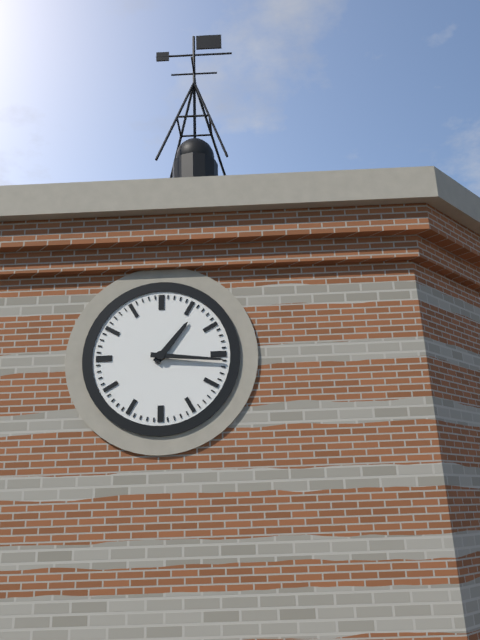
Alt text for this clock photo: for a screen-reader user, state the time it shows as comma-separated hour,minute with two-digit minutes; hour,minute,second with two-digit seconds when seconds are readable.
1,16
